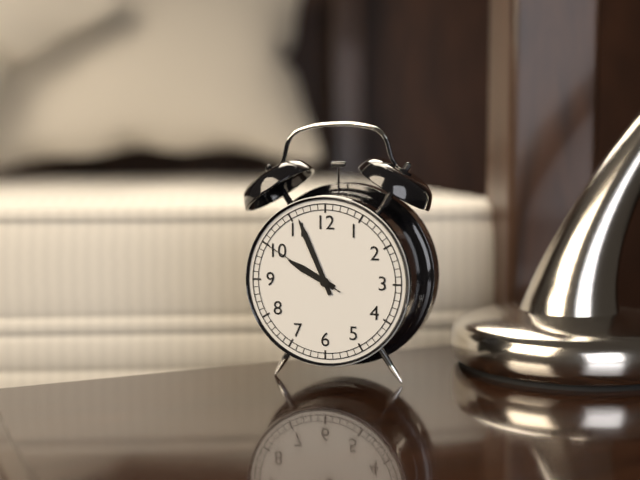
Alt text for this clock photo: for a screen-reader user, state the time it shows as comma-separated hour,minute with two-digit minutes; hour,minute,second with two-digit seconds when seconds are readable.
9,56,50
